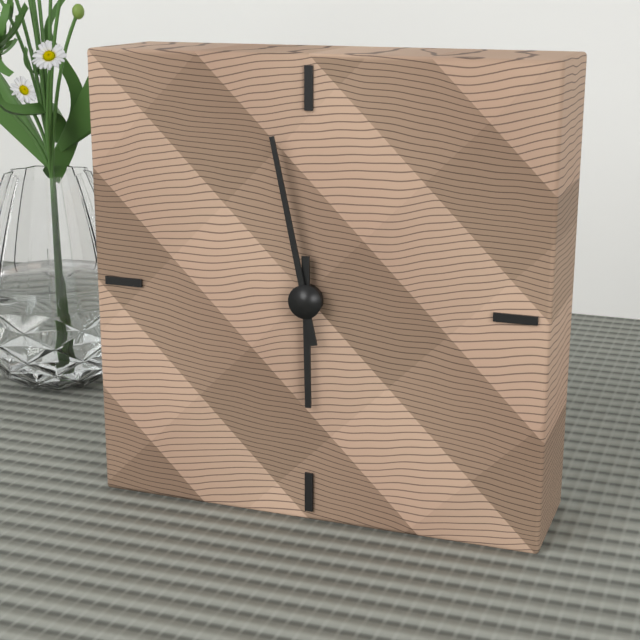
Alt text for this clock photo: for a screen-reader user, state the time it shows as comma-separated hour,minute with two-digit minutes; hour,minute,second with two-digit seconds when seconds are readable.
5,58
